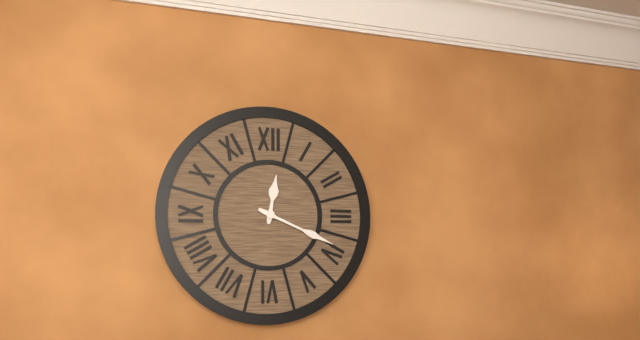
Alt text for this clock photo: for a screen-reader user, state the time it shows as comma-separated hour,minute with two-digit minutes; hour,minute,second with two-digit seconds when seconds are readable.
12,19
